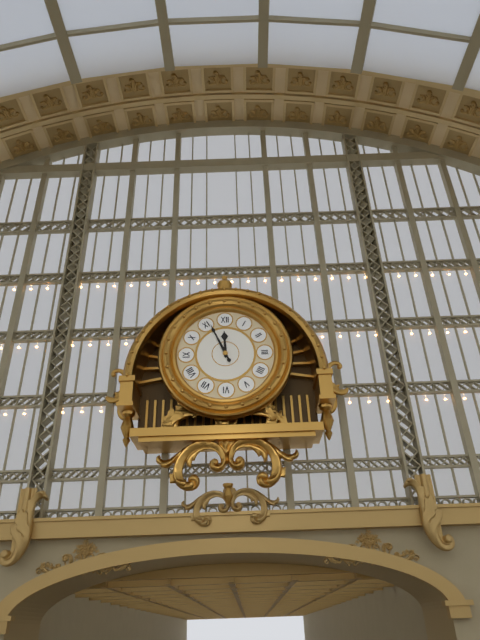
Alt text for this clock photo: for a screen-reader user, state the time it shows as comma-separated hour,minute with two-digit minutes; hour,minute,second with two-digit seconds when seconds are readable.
11,56
